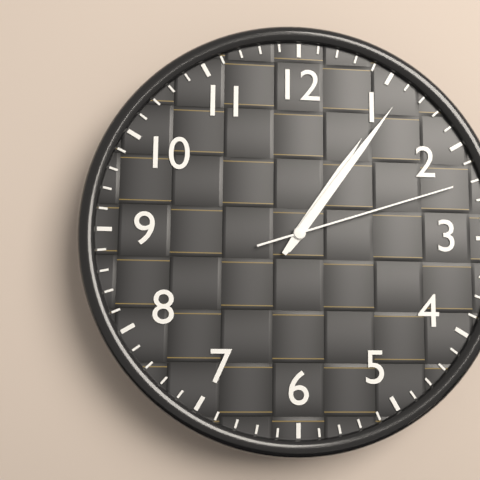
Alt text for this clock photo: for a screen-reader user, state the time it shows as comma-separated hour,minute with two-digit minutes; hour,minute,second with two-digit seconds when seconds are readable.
1,06,12
